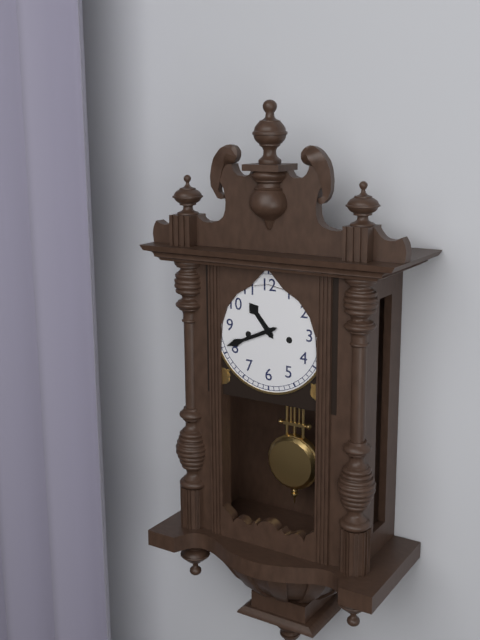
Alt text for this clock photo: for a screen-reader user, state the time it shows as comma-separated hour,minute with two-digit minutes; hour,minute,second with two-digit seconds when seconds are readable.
10,41
